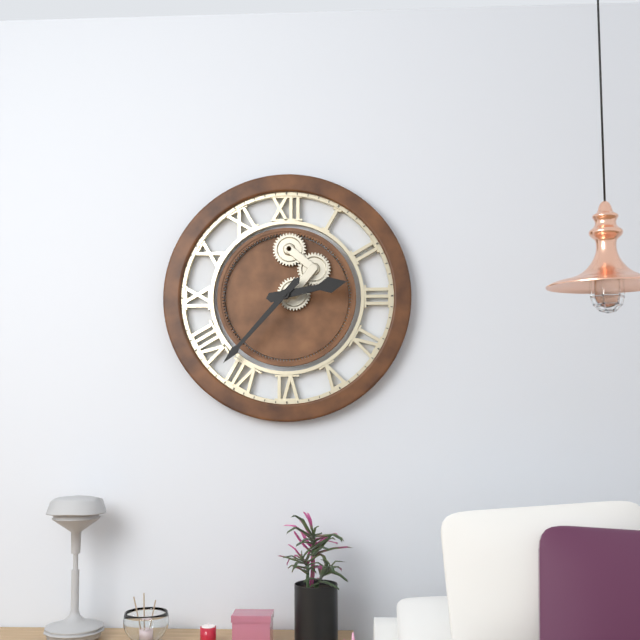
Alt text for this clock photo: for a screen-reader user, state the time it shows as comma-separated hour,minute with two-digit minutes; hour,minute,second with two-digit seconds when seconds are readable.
2,37
